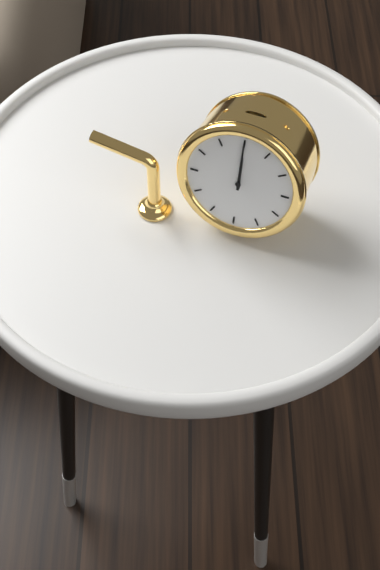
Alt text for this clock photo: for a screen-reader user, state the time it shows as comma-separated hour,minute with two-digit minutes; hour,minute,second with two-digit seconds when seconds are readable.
12,00
